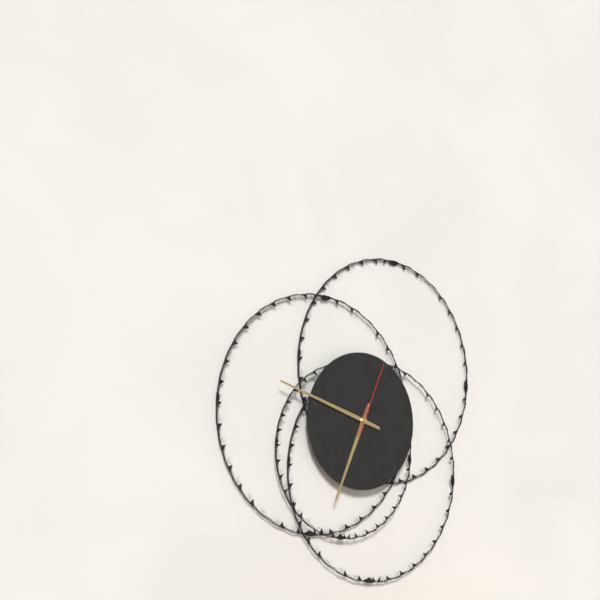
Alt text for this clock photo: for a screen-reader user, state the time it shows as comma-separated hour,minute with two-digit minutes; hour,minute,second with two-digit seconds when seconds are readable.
6,48,04
